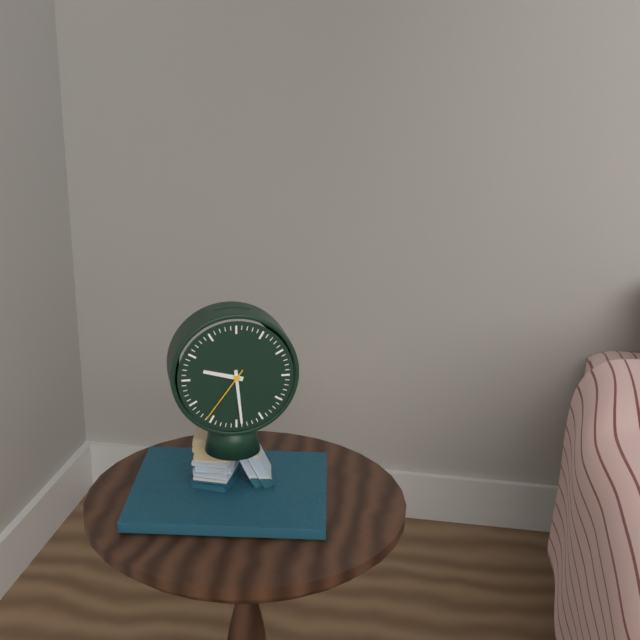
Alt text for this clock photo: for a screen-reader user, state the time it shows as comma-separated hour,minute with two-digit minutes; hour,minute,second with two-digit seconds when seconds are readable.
9,29,36
